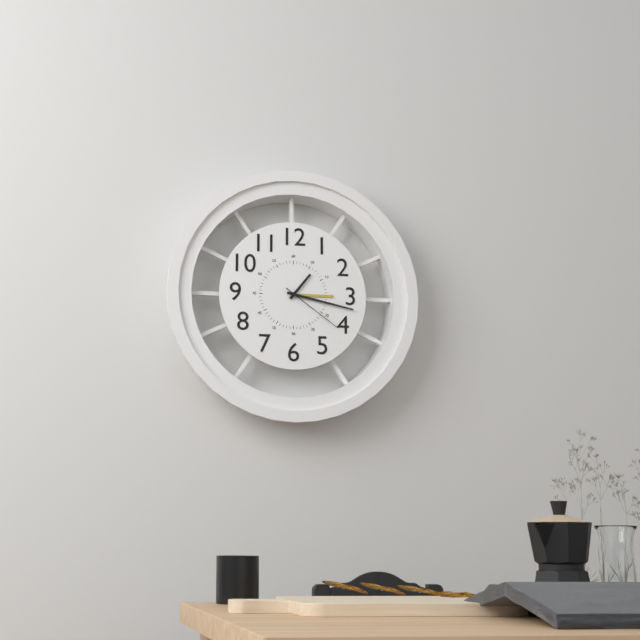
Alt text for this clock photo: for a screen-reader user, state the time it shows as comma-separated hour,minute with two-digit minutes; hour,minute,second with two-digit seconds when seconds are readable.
1,17,21
